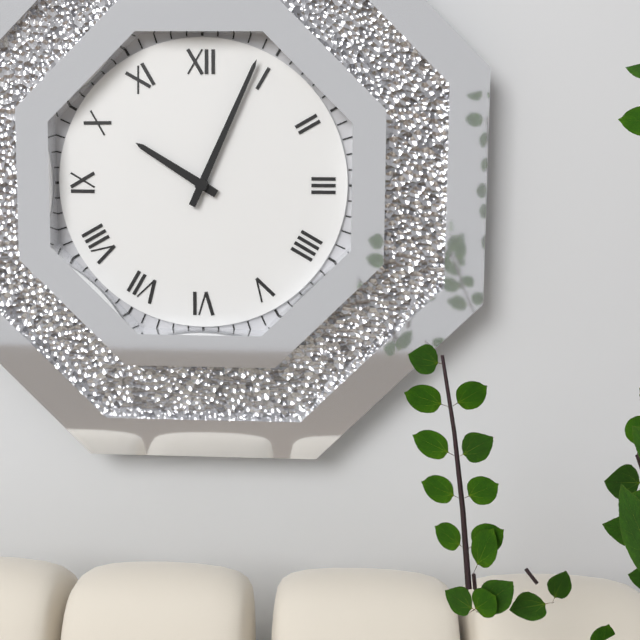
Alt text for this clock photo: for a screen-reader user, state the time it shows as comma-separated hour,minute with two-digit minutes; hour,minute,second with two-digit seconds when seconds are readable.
10,04
